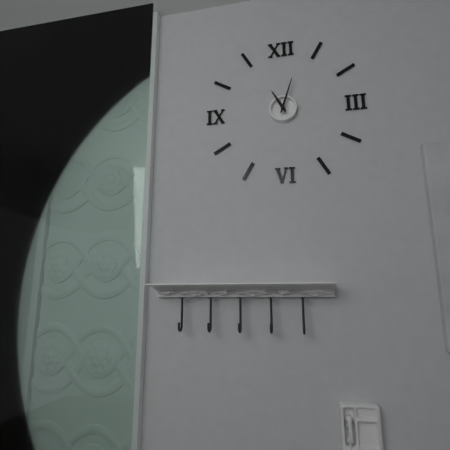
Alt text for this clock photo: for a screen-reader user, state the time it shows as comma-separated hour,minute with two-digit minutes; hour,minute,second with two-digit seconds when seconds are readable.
11,03
